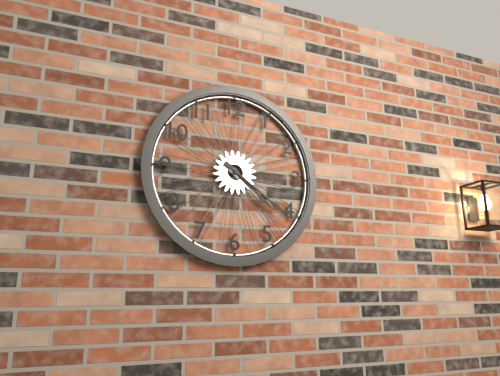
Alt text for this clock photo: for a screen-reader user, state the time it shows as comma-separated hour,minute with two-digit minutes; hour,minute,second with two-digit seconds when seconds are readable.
4,21
